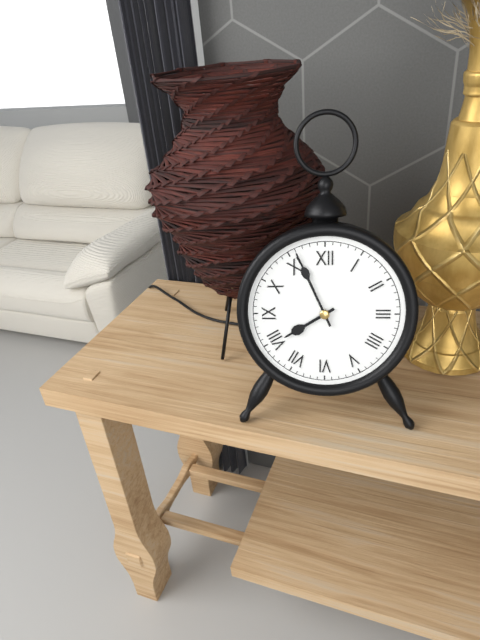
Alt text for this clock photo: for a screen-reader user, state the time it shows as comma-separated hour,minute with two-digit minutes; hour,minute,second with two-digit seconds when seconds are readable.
7,56
